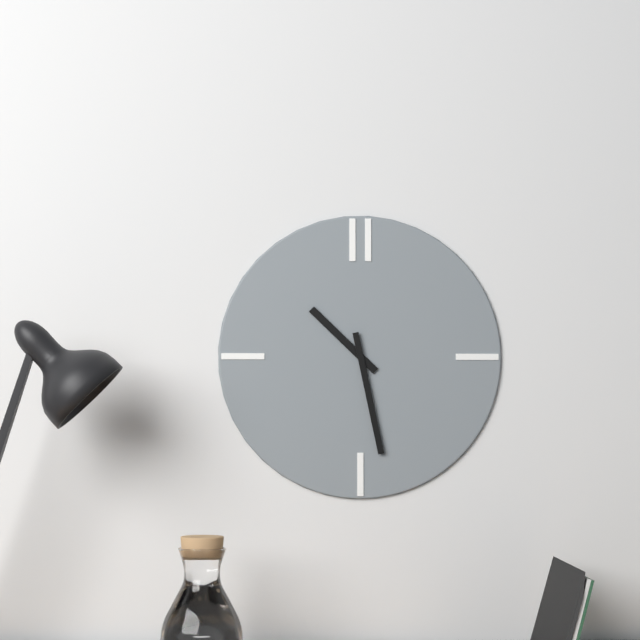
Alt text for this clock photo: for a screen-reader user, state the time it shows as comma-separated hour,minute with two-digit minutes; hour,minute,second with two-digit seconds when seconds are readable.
10,28
